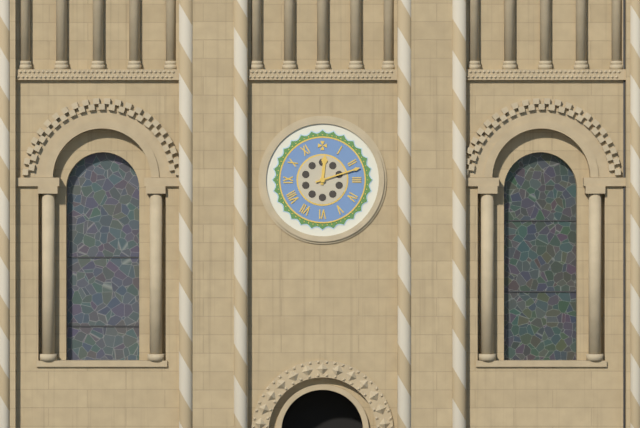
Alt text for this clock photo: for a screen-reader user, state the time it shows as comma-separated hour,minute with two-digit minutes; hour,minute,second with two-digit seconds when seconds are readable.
12,12
